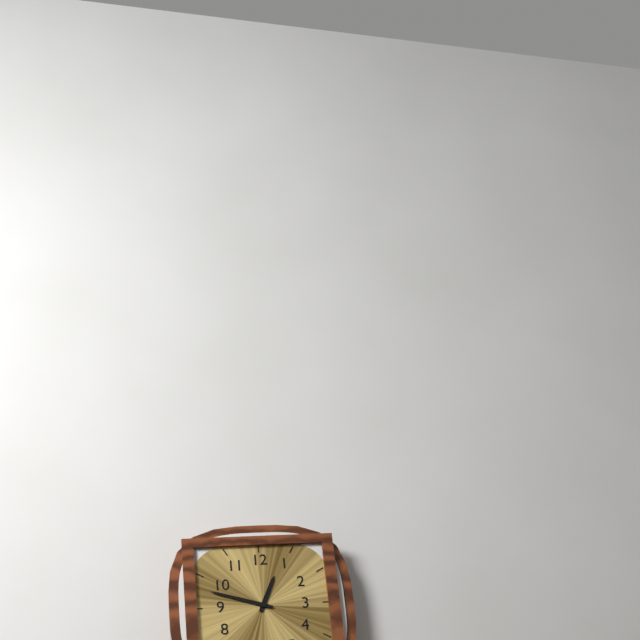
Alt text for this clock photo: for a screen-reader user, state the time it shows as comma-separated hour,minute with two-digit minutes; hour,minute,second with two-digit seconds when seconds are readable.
12,48
